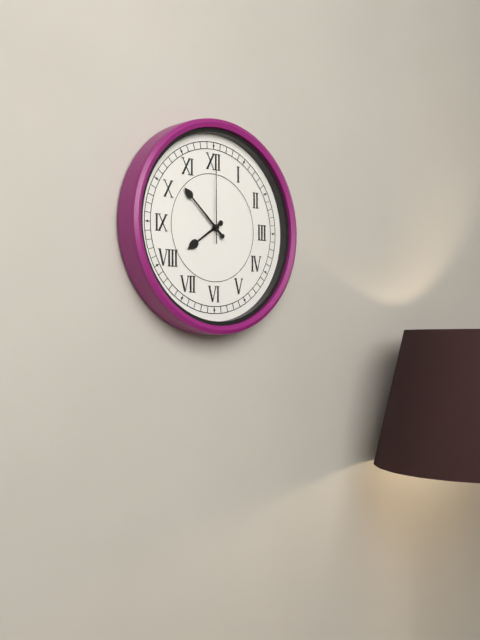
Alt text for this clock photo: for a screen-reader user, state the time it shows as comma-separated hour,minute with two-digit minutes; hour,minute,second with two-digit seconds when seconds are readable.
7,52,00
